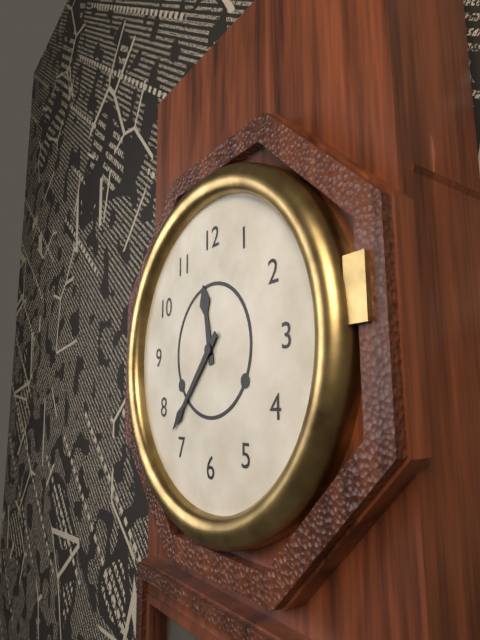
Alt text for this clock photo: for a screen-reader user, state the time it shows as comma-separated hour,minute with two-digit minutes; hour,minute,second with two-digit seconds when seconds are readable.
11,37
